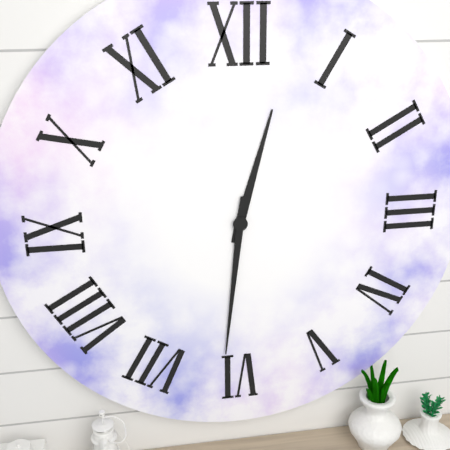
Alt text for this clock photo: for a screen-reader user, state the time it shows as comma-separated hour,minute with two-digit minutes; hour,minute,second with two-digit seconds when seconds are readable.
12,31
